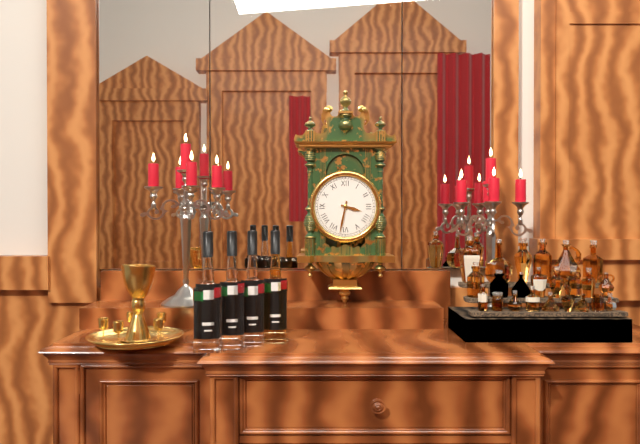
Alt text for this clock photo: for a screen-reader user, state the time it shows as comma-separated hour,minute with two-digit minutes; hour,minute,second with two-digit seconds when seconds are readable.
3,32
